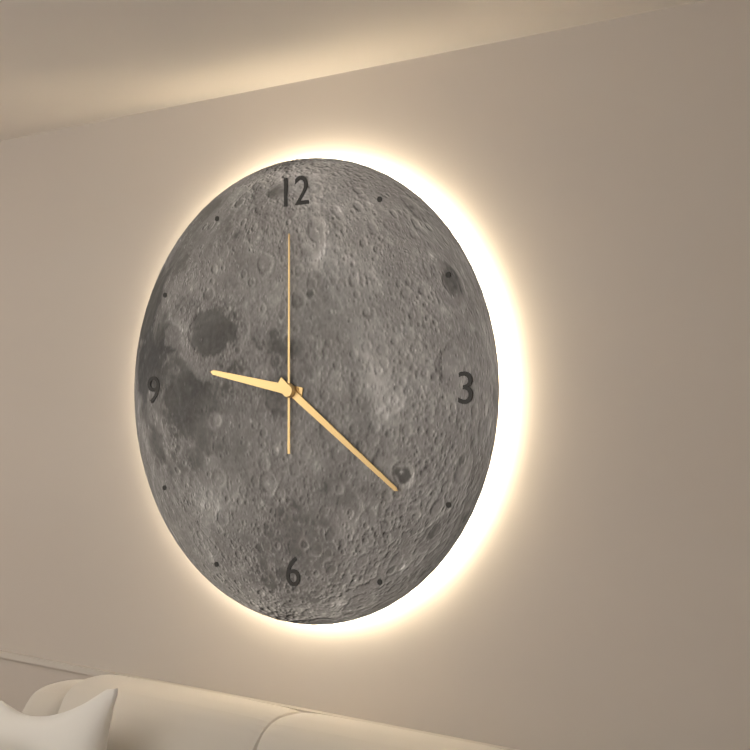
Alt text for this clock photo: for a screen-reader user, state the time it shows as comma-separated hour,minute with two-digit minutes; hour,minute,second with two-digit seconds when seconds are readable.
9,21,00
